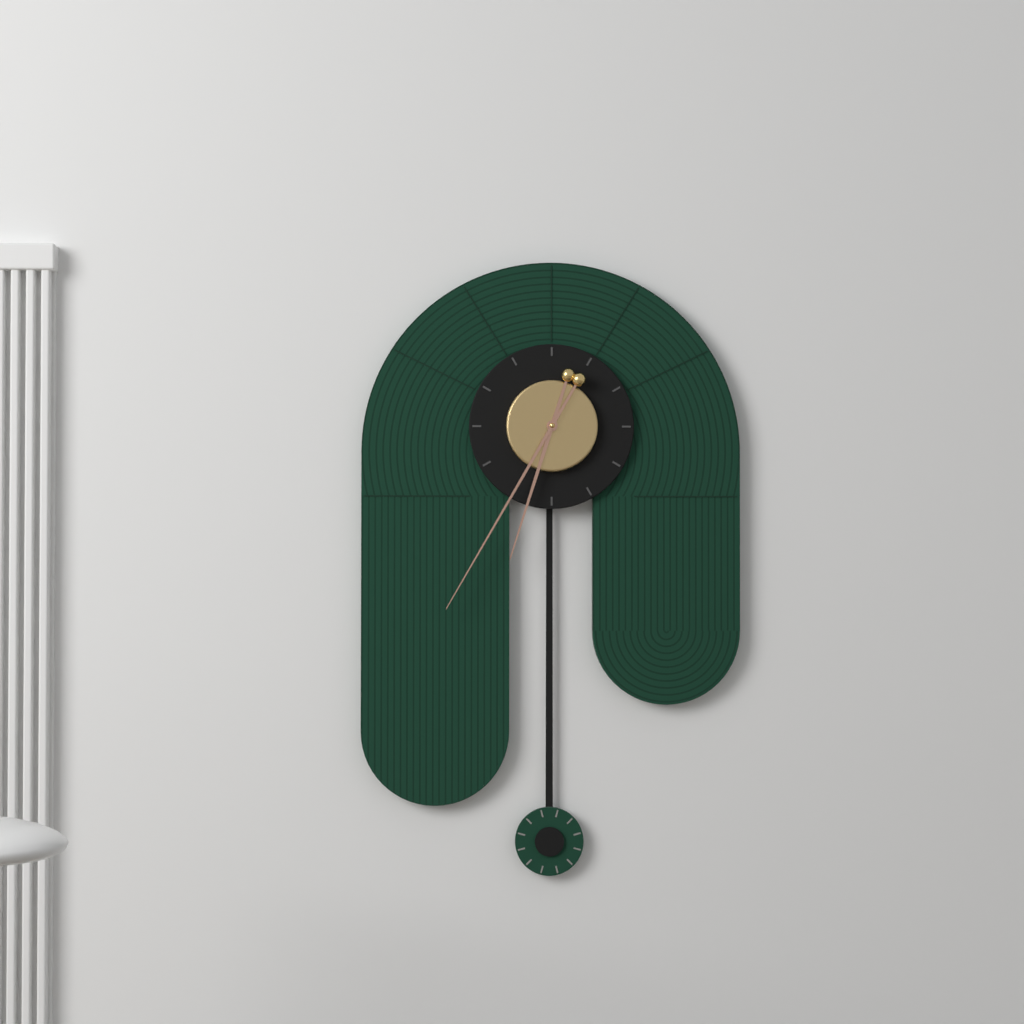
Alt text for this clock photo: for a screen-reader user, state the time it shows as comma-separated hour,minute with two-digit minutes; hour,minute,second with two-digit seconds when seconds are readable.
6,35
